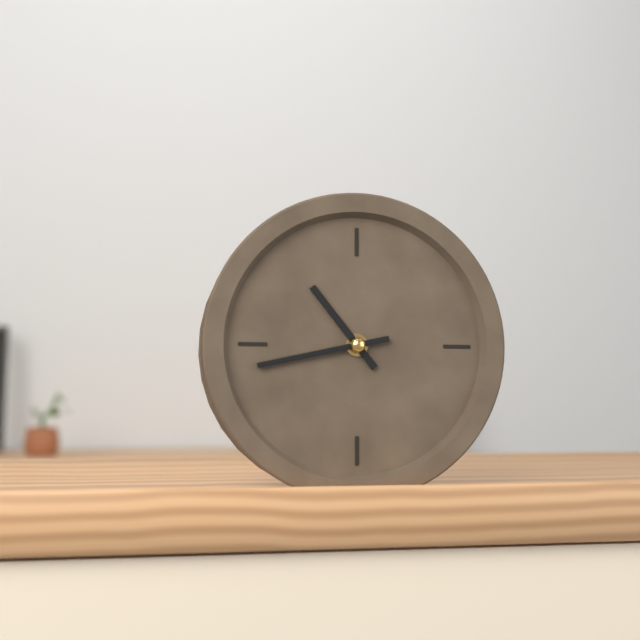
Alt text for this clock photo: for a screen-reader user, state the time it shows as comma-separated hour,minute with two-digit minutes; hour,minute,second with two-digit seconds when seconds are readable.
10,43
